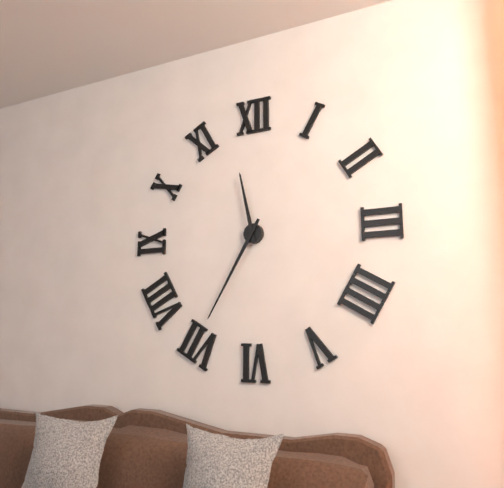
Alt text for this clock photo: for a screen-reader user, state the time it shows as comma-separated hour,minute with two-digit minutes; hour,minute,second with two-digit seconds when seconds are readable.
11,35
